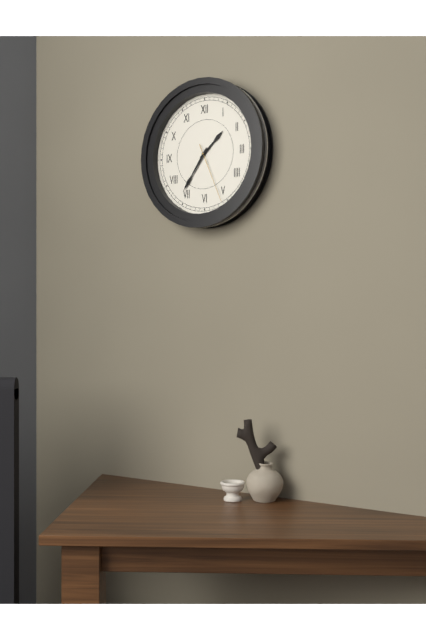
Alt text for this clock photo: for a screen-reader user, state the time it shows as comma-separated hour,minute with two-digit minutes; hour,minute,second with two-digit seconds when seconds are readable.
1,36,26
